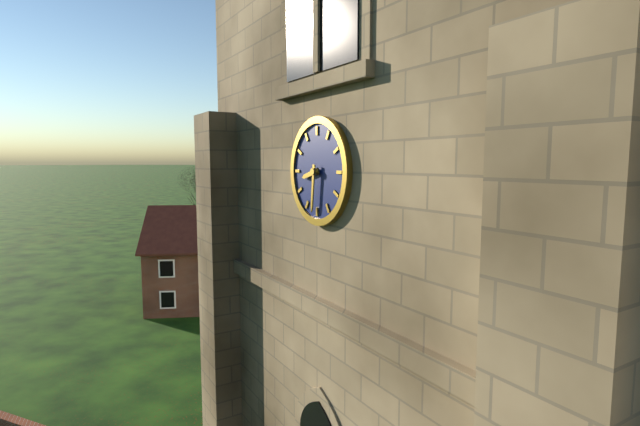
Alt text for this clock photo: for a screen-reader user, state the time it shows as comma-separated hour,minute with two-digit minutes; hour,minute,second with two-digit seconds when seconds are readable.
8,31
